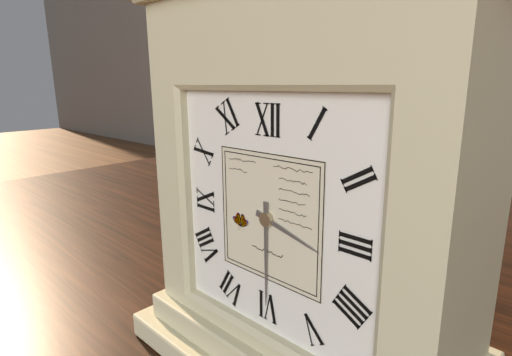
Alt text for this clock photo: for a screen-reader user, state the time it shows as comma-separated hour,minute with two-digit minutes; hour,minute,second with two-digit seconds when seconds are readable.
3,30
